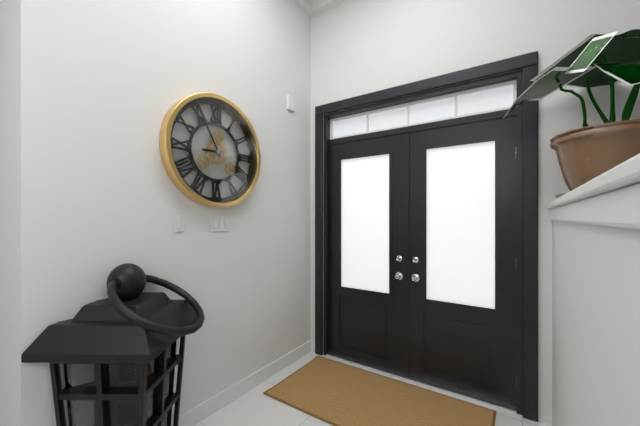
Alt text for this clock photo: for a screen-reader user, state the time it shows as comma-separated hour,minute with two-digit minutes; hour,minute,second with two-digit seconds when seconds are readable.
8,55
